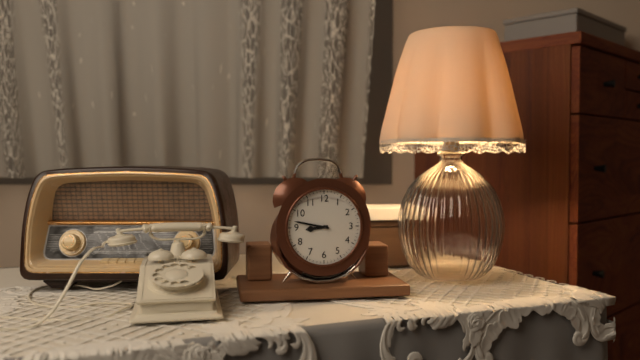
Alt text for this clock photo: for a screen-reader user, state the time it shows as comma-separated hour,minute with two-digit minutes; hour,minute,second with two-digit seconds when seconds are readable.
8,47
